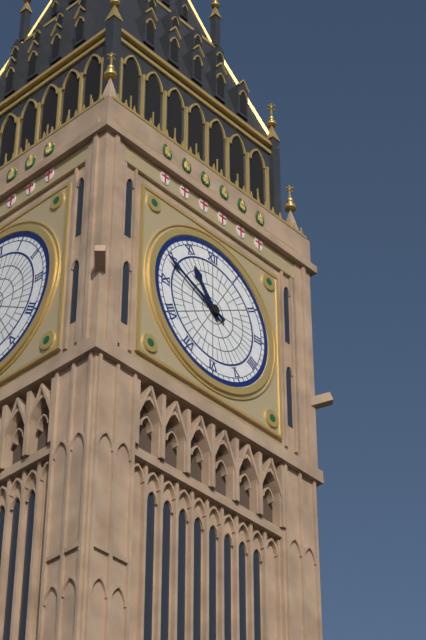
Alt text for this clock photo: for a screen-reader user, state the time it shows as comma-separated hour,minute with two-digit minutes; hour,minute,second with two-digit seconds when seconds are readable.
10,49
